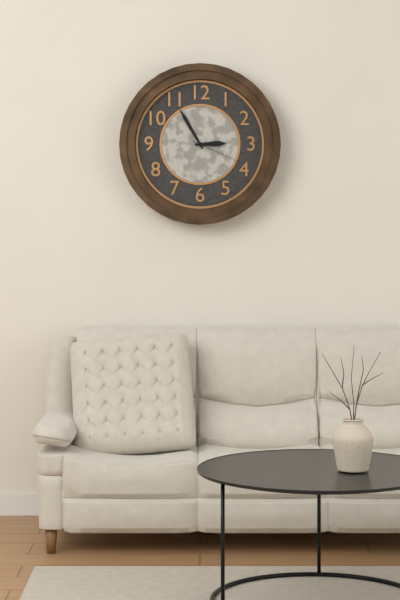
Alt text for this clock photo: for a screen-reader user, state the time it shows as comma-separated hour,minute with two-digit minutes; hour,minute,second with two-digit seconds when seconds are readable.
2,55,19
